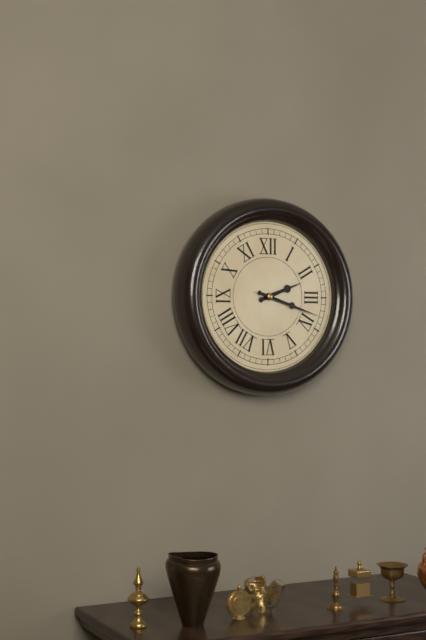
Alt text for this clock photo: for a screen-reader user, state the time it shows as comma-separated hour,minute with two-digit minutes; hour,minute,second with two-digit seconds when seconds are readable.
2,18
